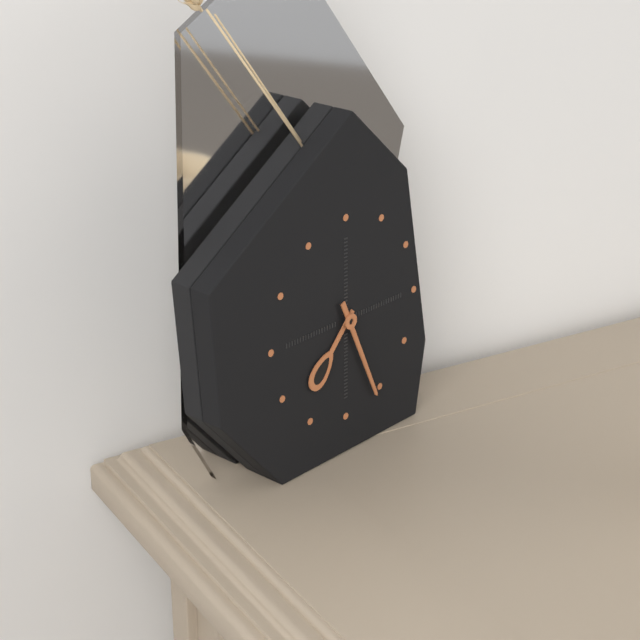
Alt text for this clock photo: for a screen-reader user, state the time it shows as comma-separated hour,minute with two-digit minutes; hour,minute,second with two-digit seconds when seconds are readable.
7,26
